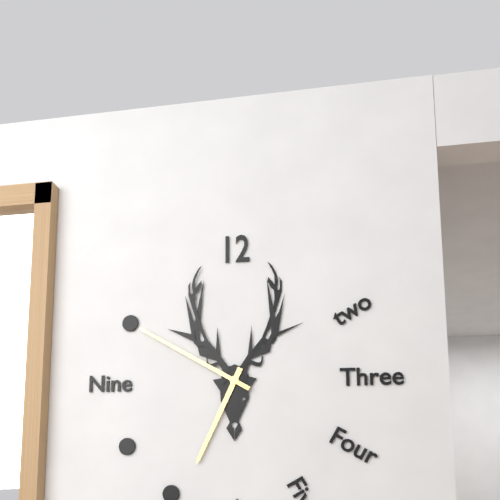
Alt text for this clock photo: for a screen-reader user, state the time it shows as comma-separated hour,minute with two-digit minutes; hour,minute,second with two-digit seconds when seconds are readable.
6,50
